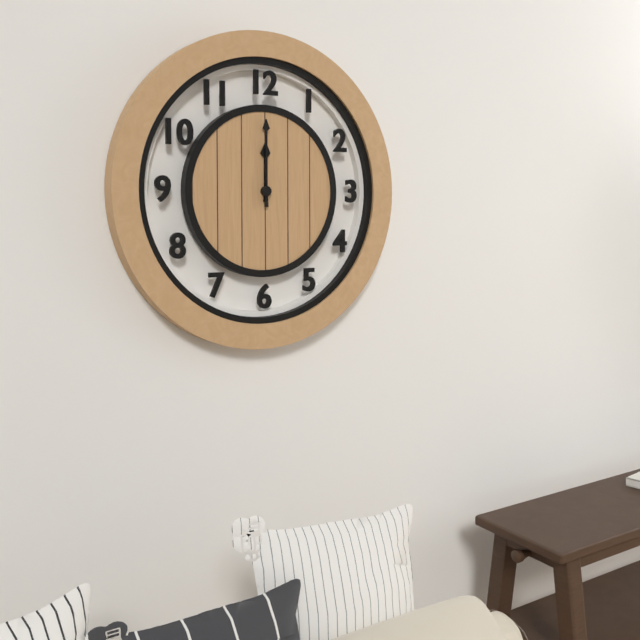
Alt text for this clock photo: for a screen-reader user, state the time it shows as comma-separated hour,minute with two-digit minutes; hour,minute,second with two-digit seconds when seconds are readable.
12,00
